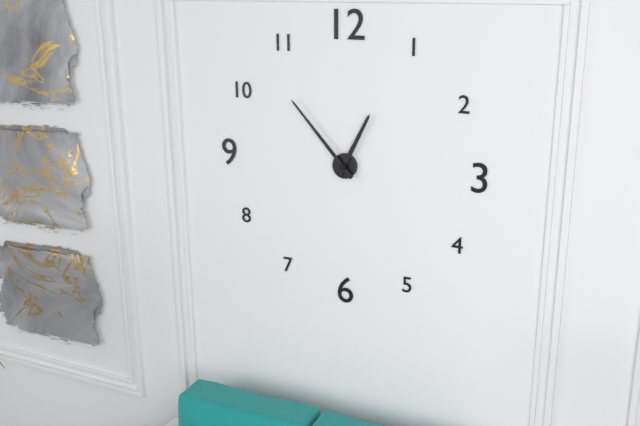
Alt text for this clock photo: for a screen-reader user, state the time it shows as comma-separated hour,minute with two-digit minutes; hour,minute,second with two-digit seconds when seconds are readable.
12,53
